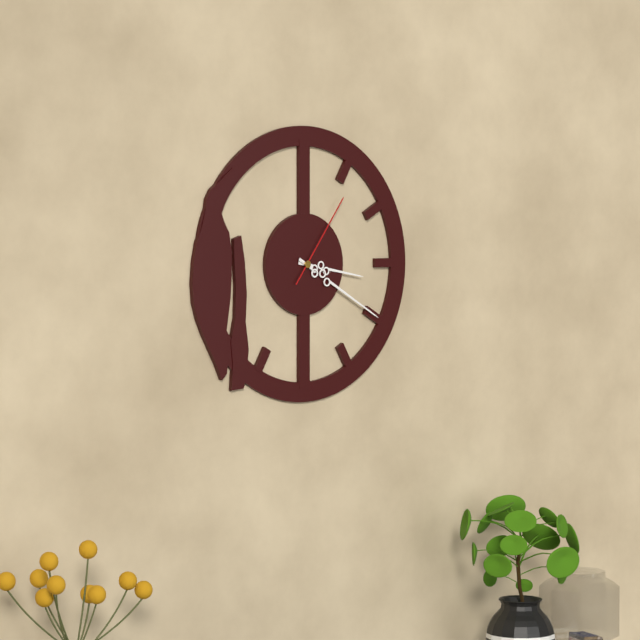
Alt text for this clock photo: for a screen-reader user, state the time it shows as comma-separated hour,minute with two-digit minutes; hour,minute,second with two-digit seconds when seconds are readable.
3,20,06
